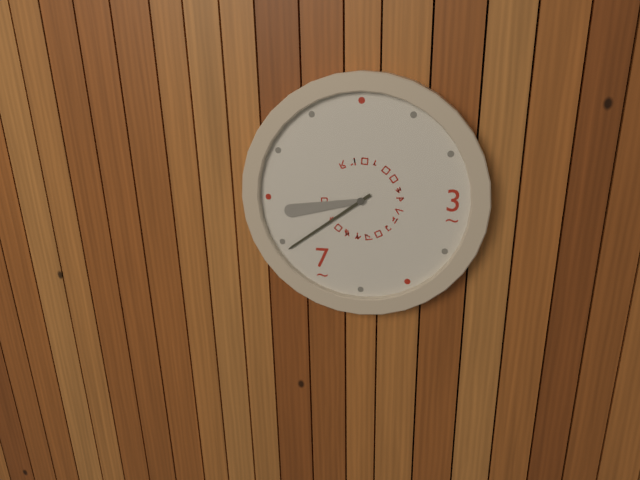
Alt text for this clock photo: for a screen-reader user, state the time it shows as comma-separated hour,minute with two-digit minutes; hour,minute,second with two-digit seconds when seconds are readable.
8,39
